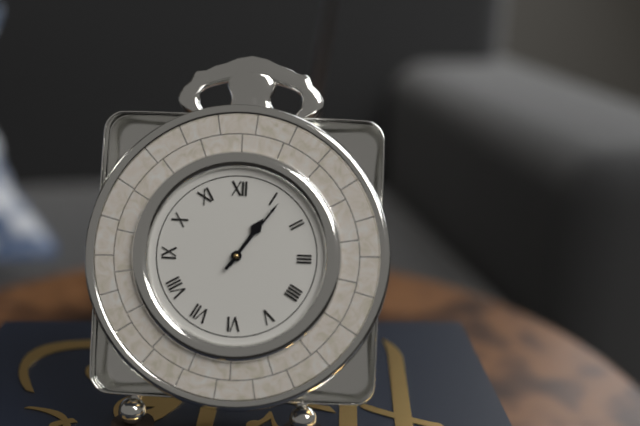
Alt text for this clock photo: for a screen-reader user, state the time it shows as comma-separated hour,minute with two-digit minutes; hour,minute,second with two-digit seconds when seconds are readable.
1,06
